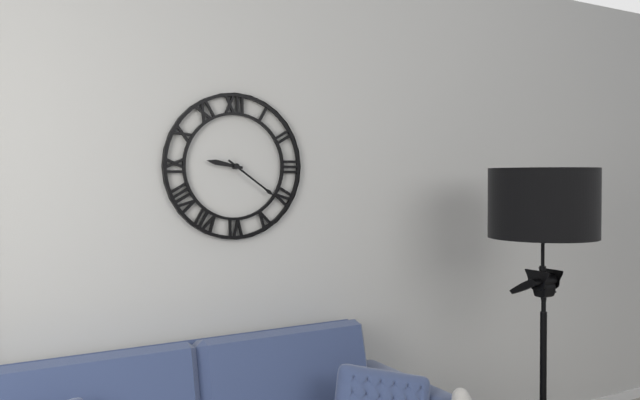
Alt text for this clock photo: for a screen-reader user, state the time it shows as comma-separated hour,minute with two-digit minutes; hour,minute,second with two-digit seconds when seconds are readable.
9,21
